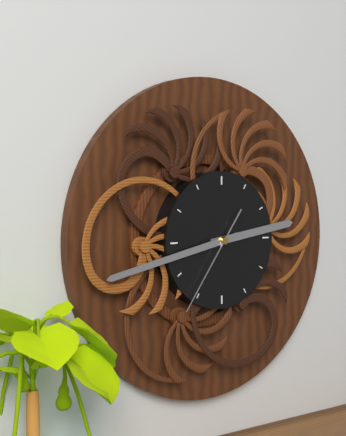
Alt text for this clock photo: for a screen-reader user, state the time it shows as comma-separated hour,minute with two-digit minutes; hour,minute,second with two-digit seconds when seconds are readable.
2,43,36
